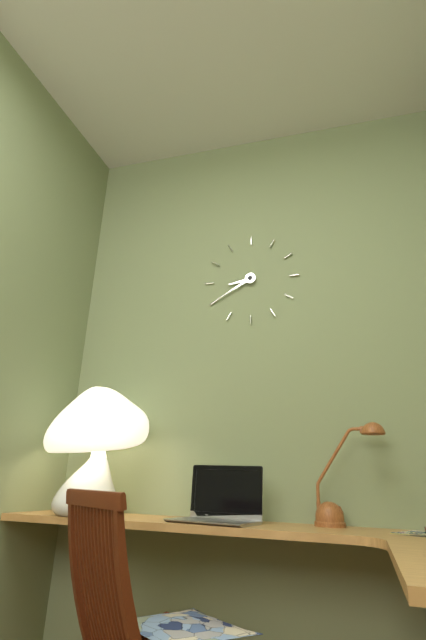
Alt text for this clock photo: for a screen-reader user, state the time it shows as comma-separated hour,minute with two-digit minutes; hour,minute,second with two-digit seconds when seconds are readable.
8,40
